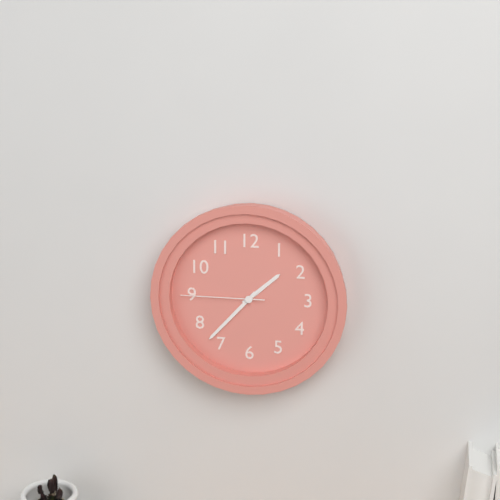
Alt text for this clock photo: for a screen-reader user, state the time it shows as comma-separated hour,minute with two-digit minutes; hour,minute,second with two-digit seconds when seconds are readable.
1,37,45
